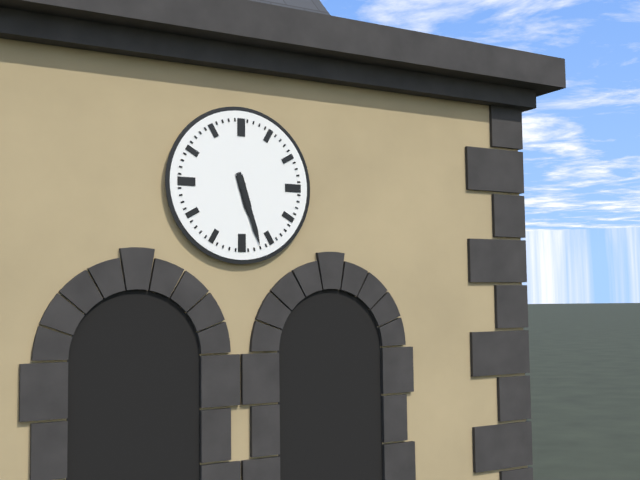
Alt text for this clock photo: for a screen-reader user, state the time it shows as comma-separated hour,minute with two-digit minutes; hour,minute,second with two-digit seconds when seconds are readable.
5,27
